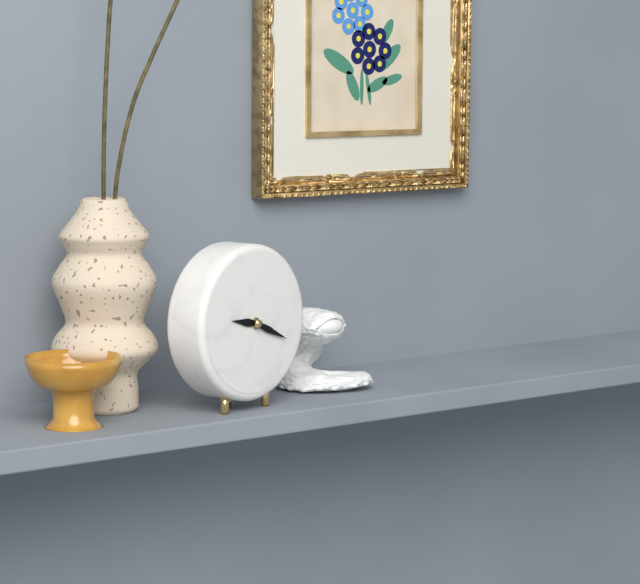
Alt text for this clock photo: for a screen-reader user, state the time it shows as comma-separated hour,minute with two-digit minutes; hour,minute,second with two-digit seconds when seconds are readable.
9,19
